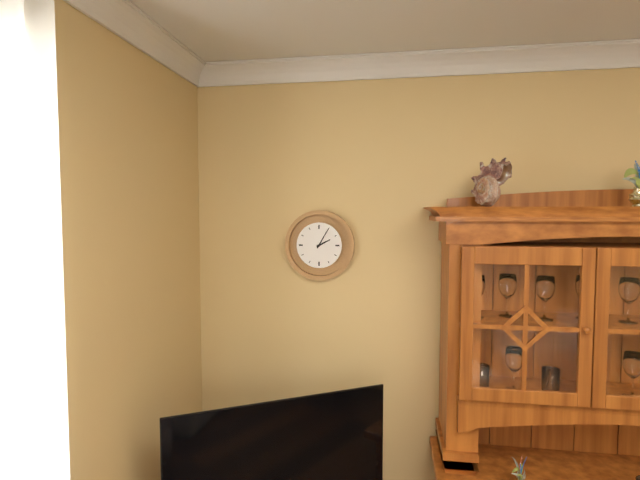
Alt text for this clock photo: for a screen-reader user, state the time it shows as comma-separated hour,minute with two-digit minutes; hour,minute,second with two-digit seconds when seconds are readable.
2,05
